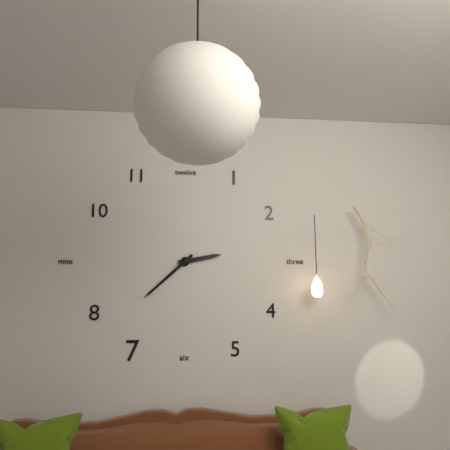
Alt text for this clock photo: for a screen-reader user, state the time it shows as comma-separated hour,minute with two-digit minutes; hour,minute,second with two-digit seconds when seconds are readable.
2,38
